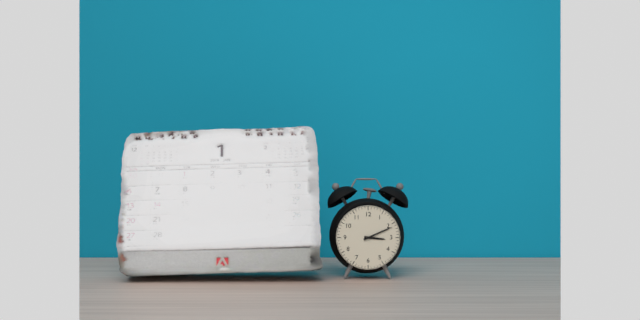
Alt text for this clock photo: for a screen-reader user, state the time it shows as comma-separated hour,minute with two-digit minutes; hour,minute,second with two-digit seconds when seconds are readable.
3,11
